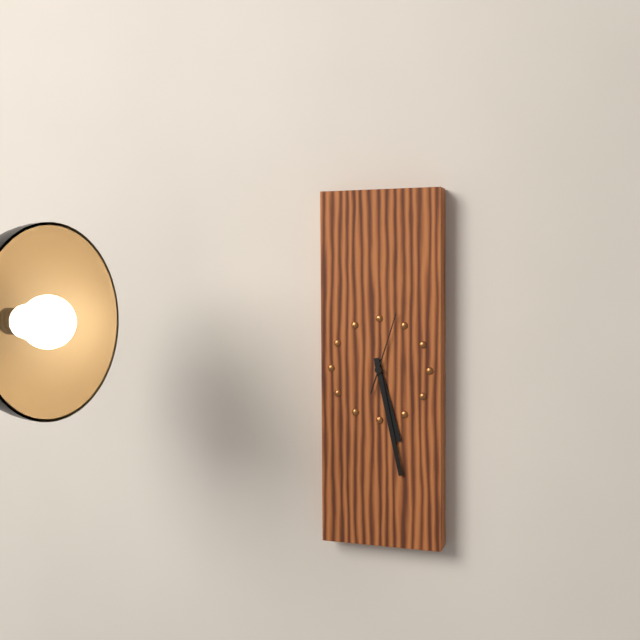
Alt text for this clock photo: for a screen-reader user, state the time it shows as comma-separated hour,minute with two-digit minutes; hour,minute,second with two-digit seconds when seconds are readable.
5,28,03
